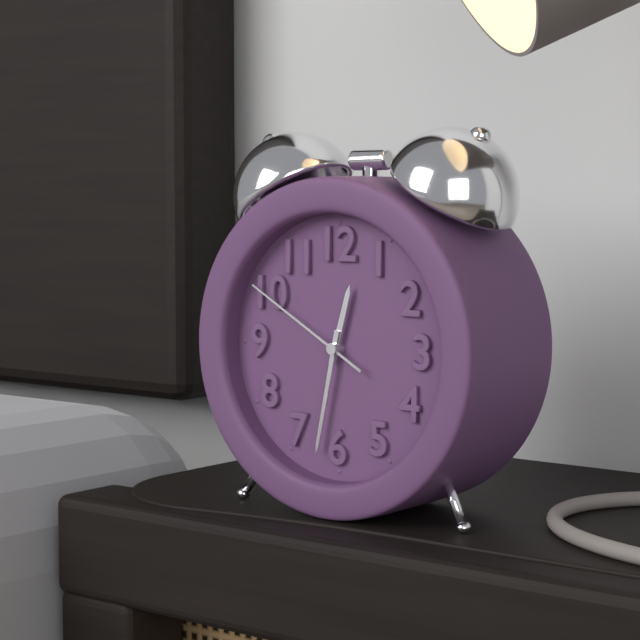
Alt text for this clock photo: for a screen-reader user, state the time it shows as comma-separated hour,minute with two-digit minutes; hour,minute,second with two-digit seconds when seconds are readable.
12,32,50
